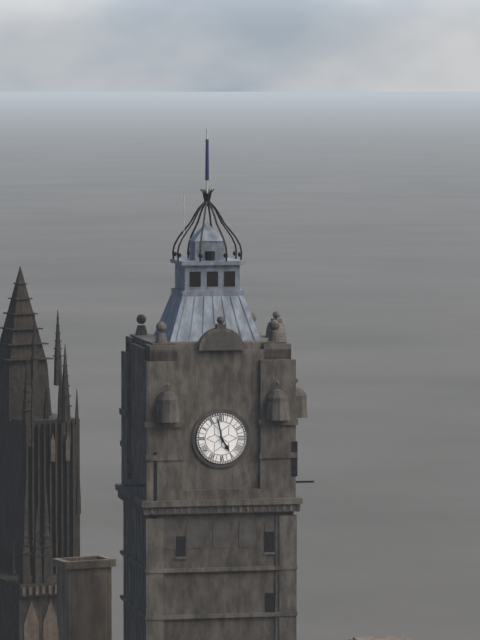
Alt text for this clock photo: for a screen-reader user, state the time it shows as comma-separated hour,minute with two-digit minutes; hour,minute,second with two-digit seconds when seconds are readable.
4,58
